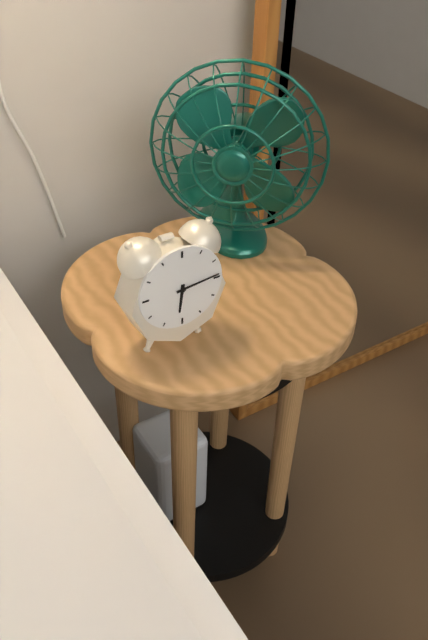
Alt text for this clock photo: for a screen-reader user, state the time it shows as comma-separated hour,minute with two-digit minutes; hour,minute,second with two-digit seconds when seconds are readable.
6,14
